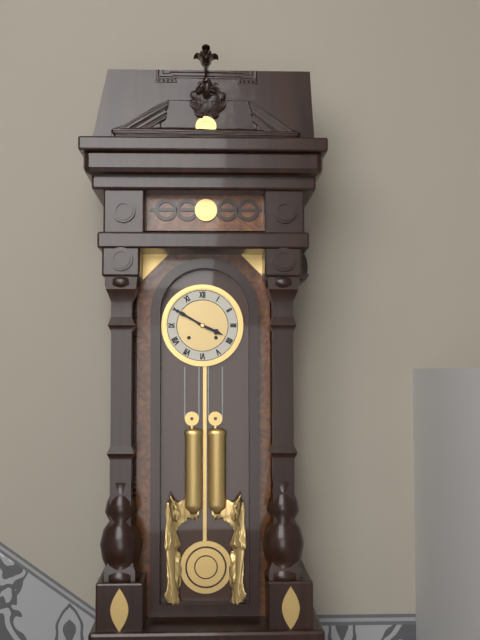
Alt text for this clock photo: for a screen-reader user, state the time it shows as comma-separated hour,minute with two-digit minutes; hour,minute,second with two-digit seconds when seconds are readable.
3,50
